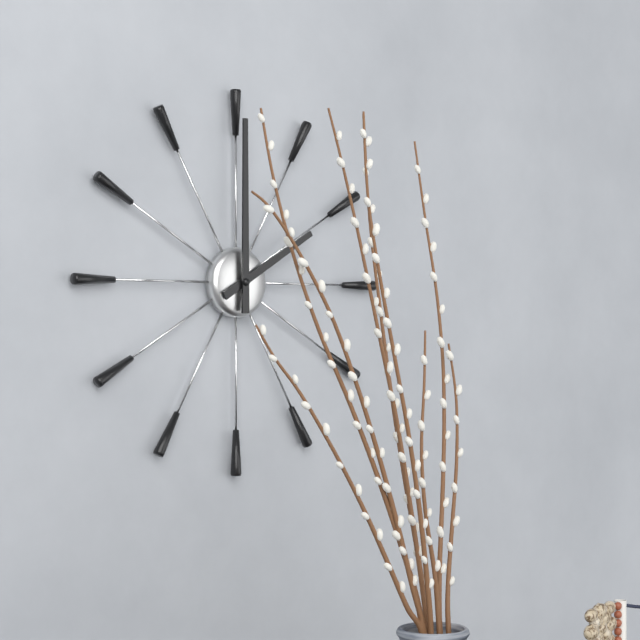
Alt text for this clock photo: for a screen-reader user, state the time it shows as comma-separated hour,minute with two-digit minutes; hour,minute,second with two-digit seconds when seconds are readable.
2,00
